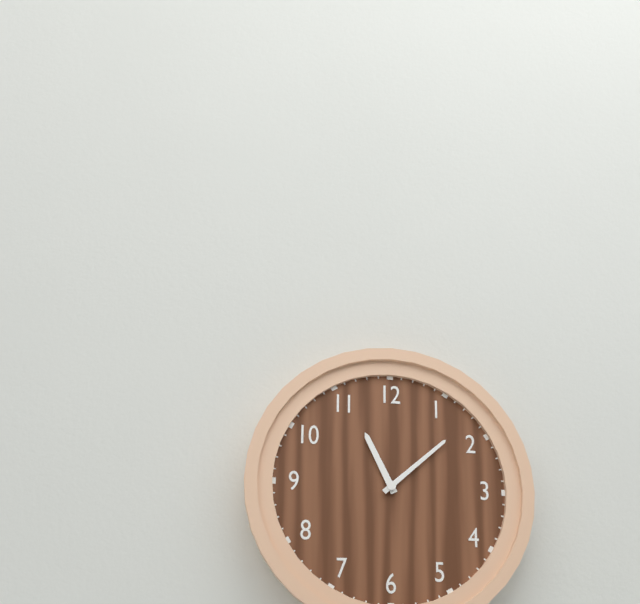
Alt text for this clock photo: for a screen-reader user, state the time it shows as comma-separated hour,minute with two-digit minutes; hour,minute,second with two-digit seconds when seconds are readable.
11,08
